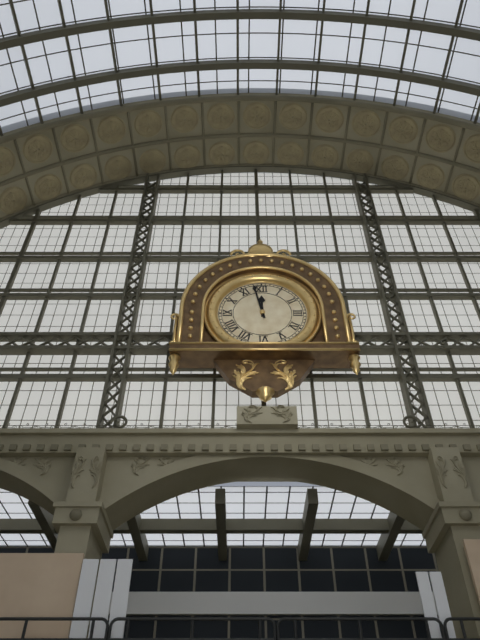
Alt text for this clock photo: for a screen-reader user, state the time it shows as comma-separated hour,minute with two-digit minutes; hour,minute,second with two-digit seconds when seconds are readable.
11,58
